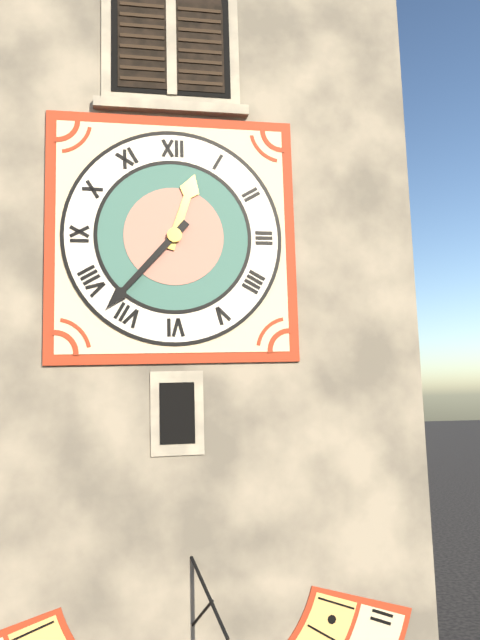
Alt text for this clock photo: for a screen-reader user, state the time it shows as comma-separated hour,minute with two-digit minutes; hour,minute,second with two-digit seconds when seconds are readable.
12,37
